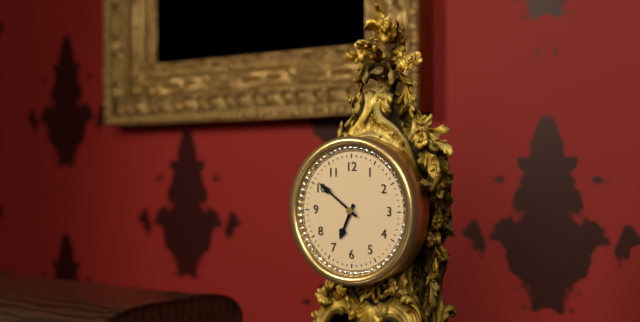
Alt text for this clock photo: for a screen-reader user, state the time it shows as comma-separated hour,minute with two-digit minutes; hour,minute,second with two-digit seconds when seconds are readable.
6,51
